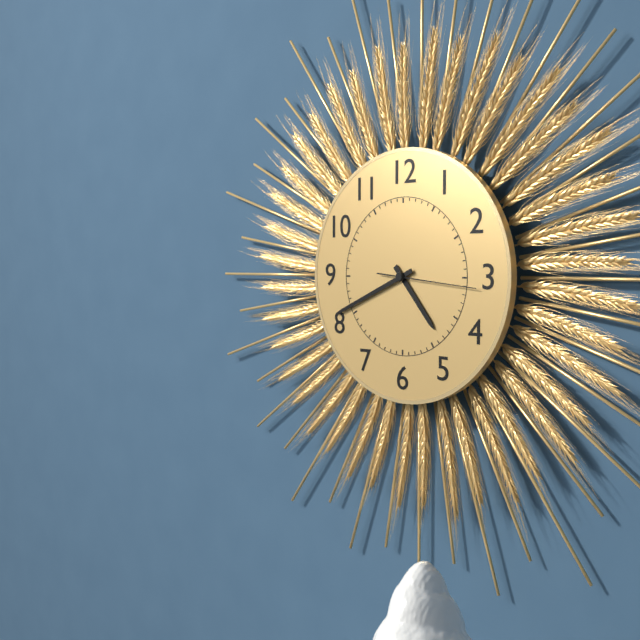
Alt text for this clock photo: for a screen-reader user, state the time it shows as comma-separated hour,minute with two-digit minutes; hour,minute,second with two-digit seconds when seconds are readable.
4,41,16
